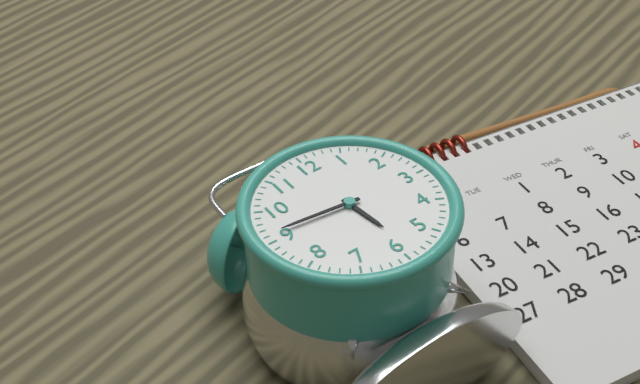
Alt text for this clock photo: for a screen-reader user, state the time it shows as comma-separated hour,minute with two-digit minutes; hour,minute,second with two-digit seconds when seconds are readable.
5,46
